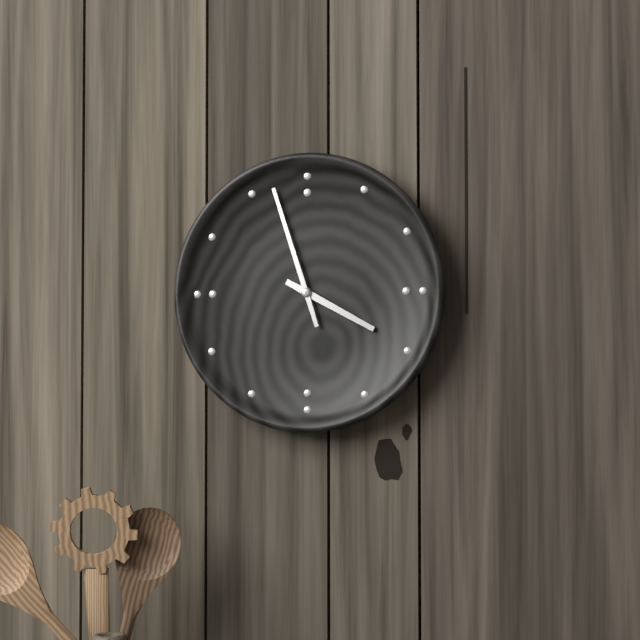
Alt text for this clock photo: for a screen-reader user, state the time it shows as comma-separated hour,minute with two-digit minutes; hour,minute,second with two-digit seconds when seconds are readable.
3,57
